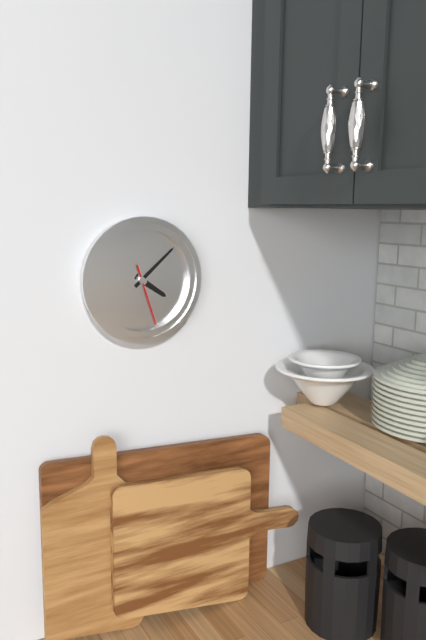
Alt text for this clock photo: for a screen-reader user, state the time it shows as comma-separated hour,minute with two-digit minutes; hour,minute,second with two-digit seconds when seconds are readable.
4,08,27
